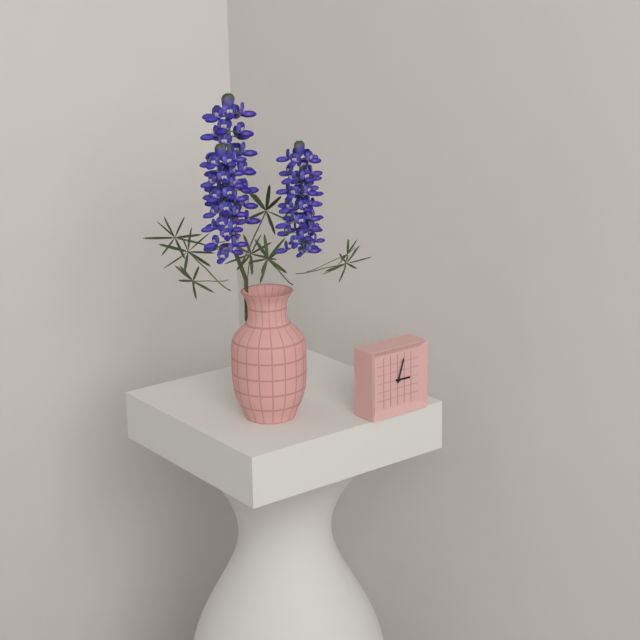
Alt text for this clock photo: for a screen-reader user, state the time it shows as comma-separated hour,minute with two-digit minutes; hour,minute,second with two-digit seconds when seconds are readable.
3,03
